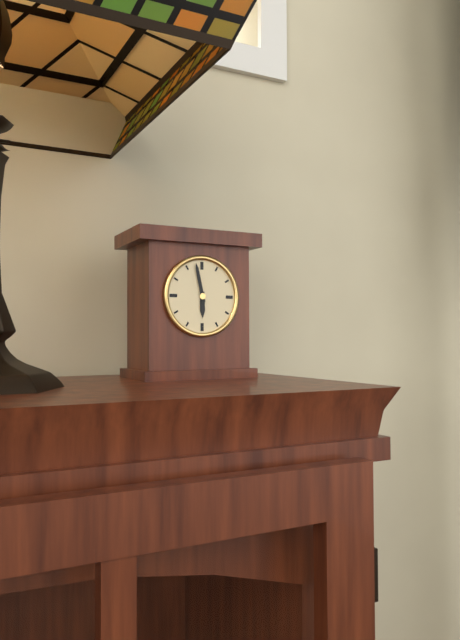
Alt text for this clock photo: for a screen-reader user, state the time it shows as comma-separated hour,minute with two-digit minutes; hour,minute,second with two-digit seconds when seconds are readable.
5,58
